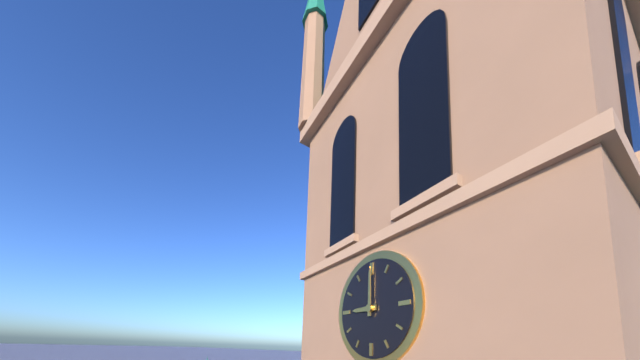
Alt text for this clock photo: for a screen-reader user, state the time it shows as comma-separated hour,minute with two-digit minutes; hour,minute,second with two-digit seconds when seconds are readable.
9,00
